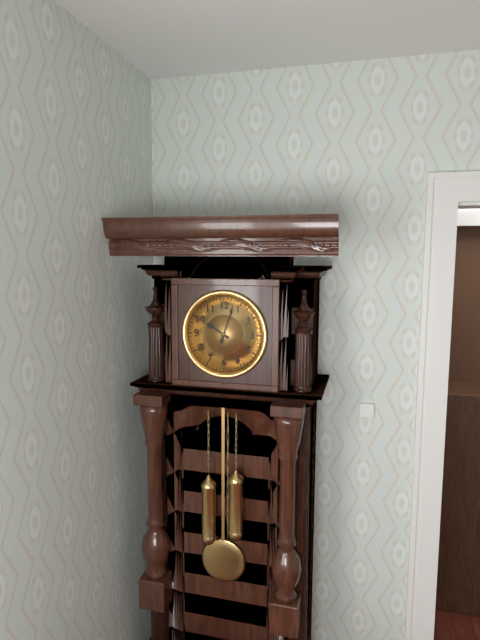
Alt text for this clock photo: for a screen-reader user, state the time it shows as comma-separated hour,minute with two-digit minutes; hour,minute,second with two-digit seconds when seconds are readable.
10,03
